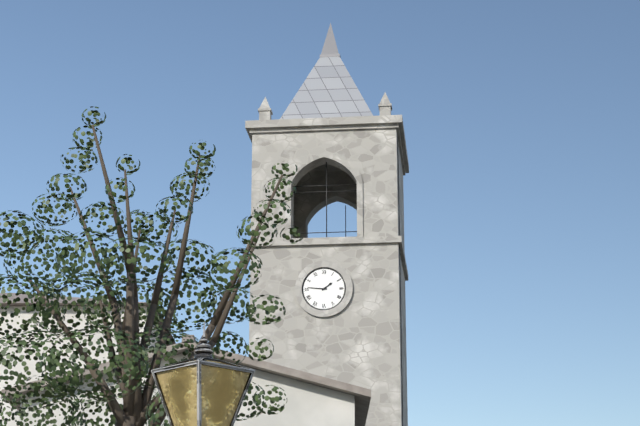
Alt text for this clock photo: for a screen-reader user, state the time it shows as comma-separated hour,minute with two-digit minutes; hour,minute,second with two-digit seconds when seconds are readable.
1,46
